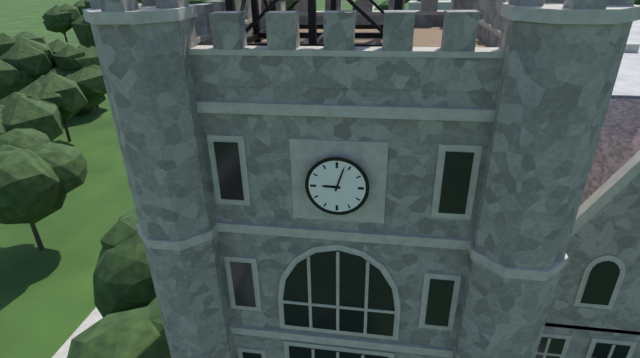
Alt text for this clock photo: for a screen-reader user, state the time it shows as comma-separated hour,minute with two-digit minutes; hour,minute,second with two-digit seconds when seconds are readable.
9,03
